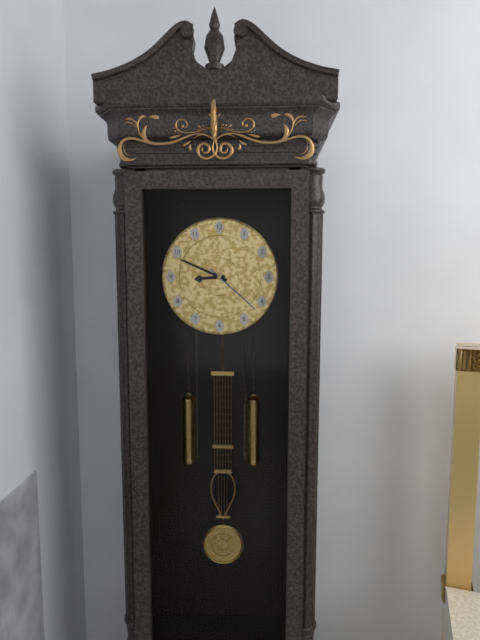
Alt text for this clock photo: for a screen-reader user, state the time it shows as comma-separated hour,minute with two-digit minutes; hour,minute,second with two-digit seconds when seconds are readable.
8,49,22
